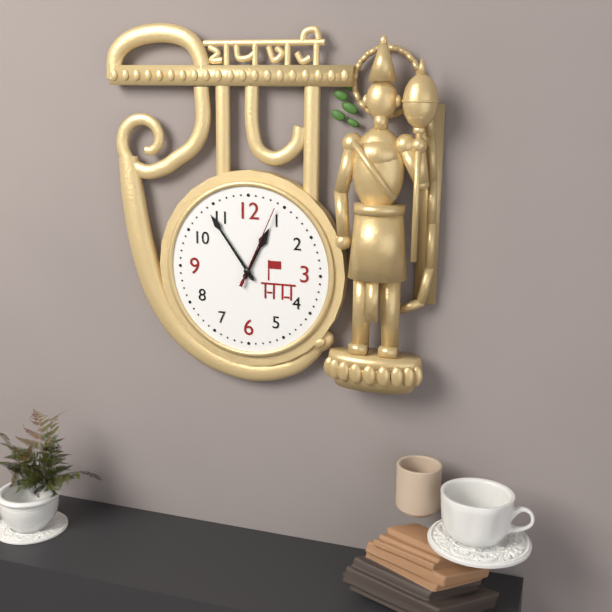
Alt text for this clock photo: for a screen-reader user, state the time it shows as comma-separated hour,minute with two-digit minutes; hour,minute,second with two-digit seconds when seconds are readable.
12,54,04
